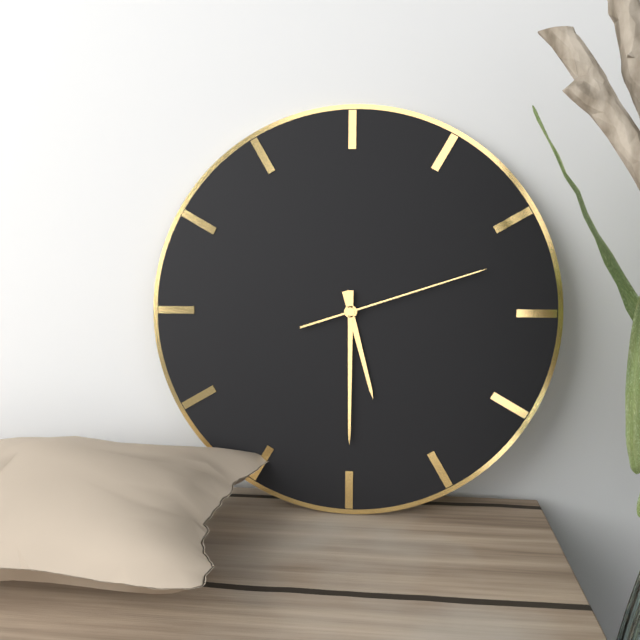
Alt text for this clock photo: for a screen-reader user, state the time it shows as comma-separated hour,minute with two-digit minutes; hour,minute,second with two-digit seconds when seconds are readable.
5,30,12
